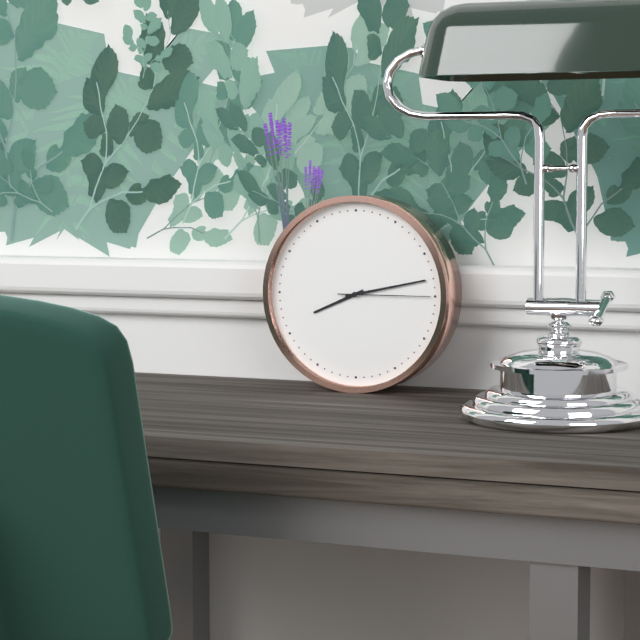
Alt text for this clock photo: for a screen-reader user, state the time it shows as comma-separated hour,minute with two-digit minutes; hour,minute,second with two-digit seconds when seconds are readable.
8,13,15
